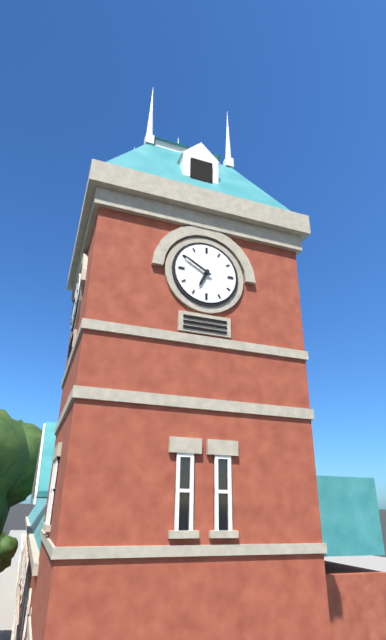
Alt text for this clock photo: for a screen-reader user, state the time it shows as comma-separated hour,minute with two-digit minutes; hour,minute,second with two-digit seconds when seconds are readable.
6,50
